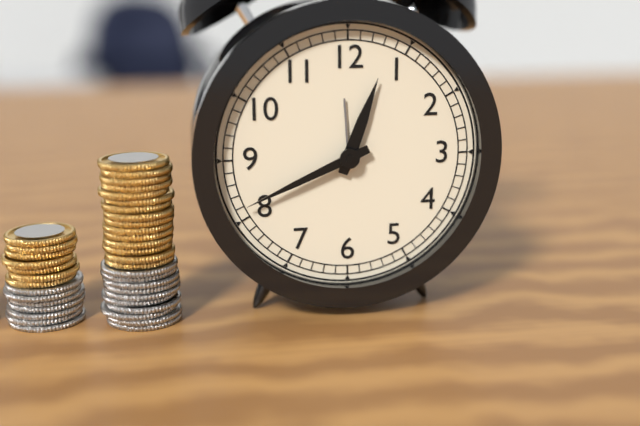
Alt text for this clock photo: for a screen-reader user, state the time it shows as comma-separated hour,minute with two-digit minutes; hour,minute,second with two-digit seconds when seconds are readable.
12,41
